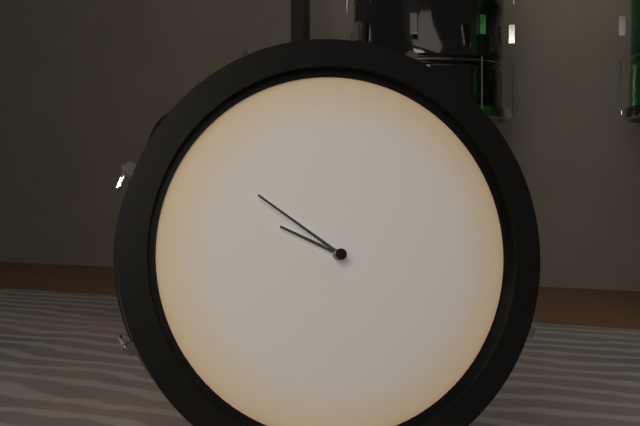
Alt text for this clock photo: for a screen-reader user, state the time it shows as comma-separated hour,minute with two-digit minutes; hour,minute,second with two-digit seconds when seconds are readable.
9,51
